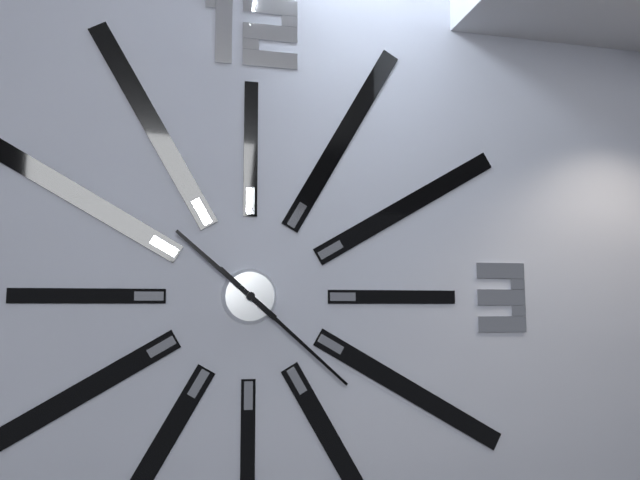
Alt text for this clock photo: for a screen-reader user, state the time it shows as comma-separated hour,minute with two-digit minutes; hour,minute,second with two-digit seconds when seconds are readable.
10,22
